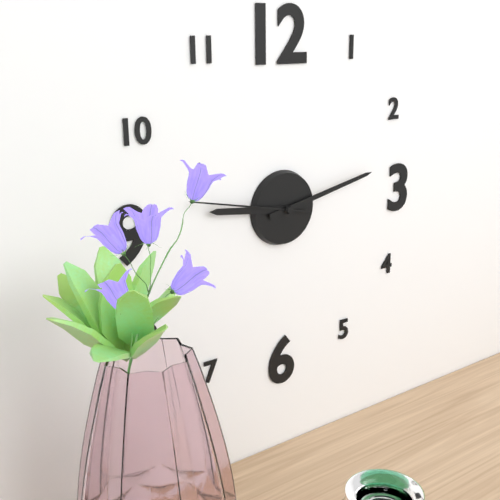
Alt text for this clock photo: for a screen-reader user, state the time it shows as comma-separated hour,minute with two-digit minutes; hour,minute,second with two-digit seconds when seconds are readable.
9,13,47
